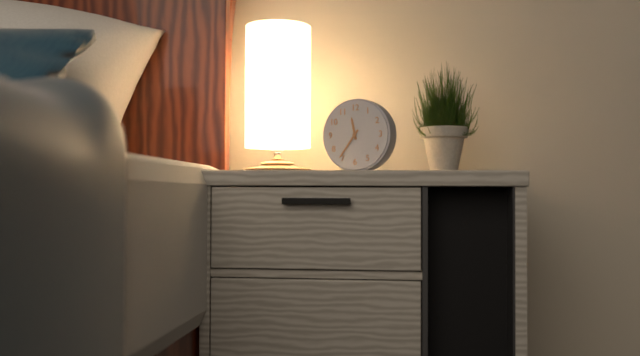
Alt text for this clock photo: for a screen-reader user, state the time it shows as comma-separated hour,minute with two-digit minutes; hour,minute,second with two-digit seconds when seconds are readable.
11,36
